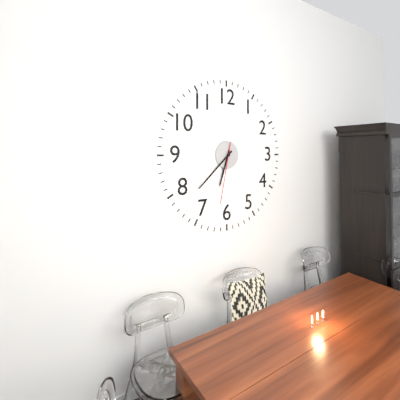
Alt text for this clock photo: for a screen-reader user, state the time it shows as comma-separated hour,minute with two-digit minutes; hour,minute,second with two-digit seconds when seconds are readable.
6,38,32
